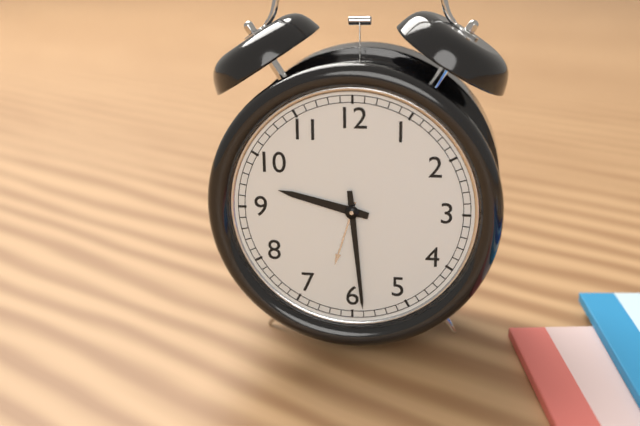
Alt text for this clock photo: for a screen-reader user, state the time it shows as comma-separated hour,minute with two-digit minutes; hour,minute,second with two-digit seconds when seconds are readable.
9,29
